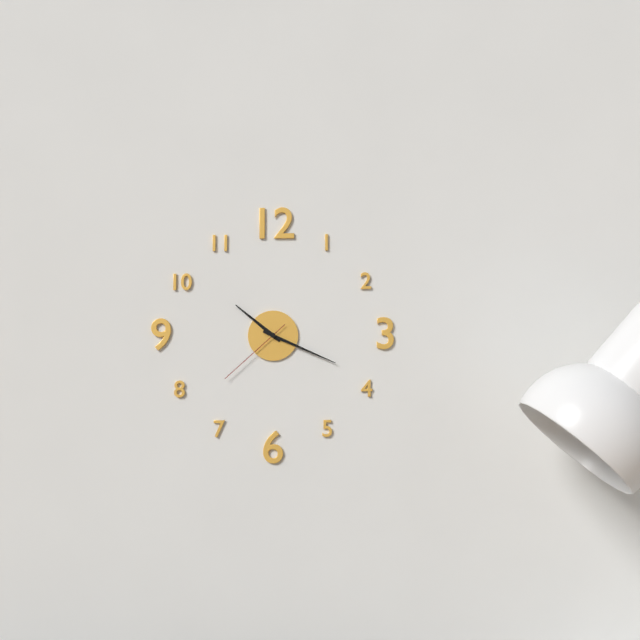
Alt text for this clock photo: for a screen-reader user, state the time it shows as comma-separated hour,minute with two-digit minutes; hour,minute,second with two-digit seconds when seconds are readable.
10,19,38
